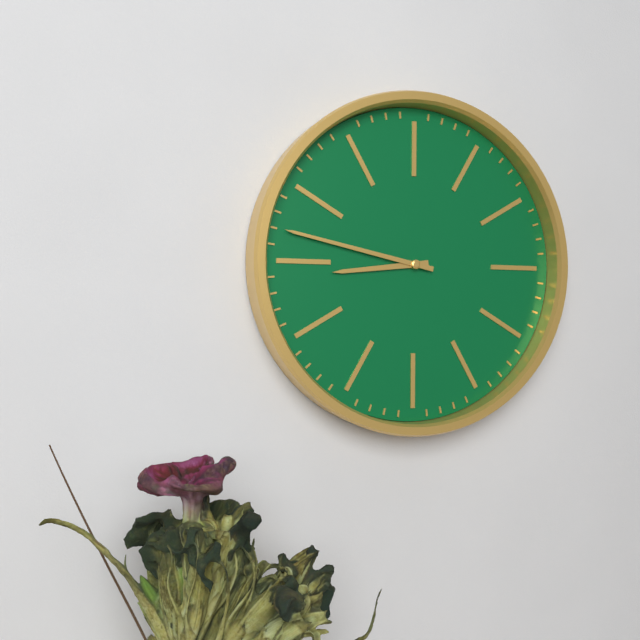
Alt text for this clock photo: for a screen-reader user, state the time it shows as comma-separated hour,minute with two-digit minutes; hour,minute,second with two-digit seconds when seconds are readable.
8,47
